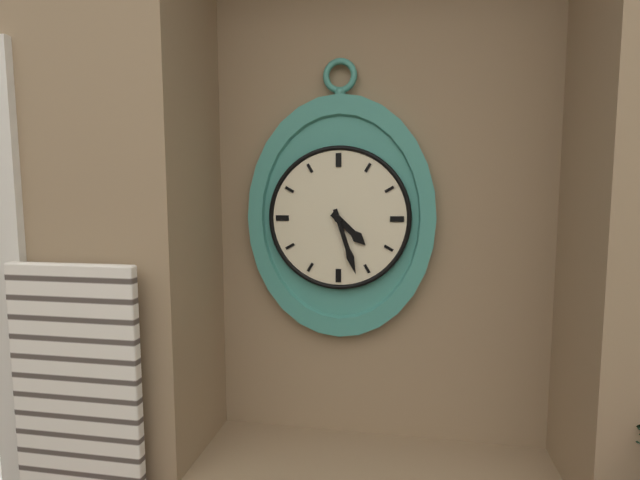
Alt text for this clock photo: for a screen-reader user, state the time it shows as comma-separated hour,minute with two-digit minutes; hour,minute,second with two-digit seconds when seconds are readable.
4,27
